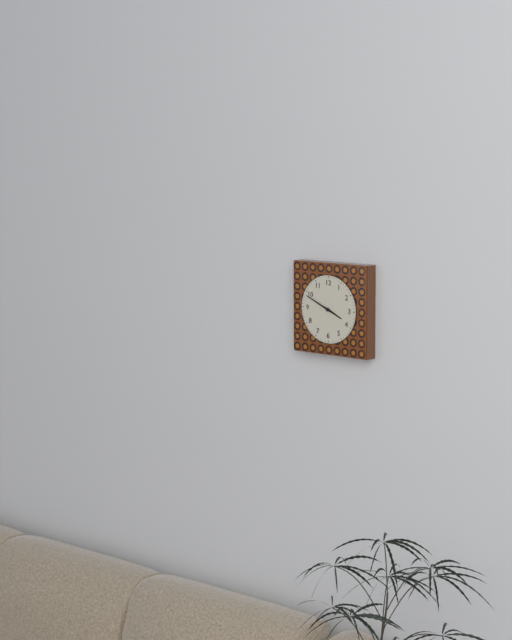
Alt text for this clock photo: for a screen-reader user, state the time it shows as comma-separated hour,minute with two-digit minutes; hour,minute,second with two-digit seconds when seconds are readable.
3,49
